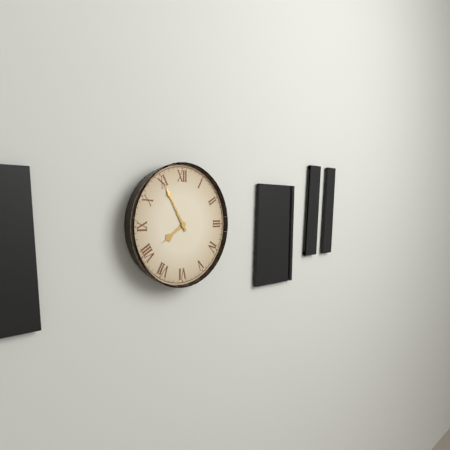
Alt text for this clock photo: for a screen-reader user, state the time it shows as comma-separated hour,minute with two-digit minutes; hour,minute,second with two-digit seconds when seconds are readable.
7,55
